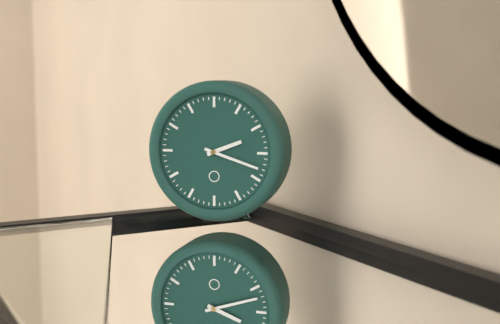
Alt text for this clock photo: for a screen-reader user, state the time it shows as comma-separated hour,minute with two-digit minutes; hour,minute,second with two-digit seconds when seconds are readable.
2,18
